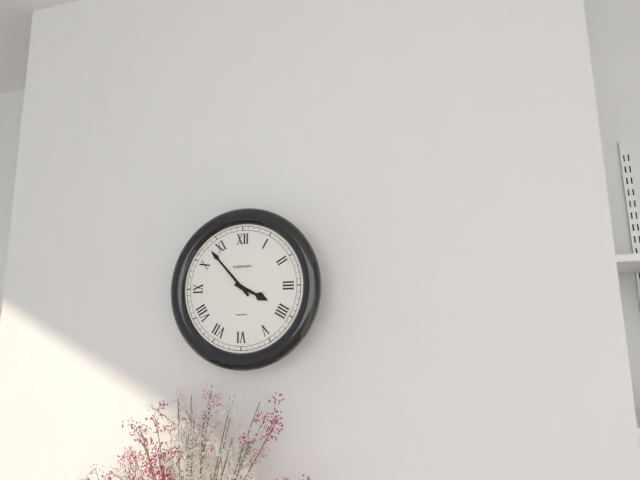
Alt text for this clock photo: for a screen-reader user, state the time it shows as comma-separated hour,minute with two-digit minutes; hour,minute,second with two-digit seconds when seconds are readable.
3,53
